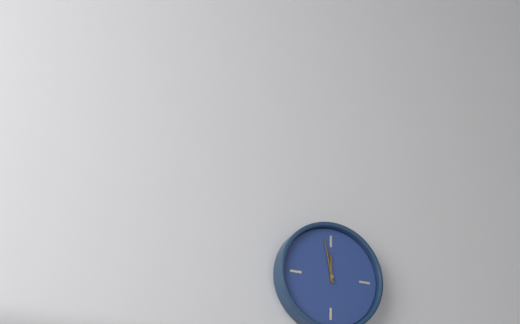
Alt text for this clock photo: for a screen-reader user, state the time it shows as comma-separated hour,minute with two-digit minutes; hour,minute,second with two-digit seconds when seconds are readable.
11,58
